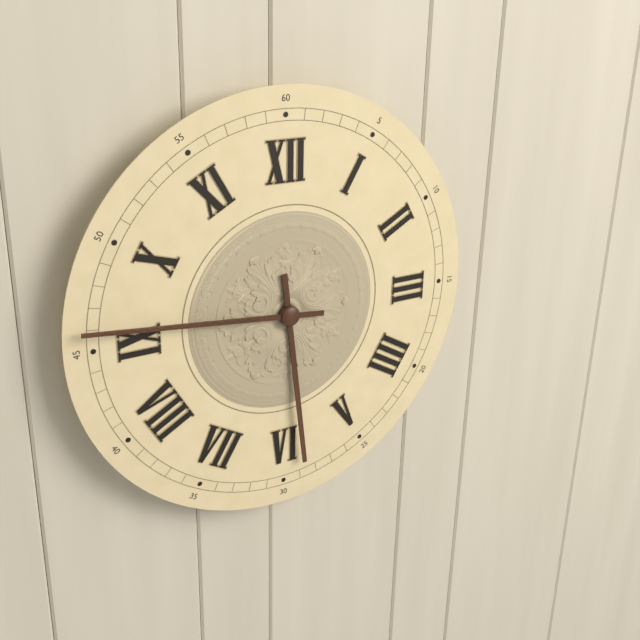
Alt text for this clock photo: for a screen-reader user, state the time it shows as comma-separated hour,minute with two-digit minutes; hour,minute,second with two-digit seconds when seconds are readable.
5,46
